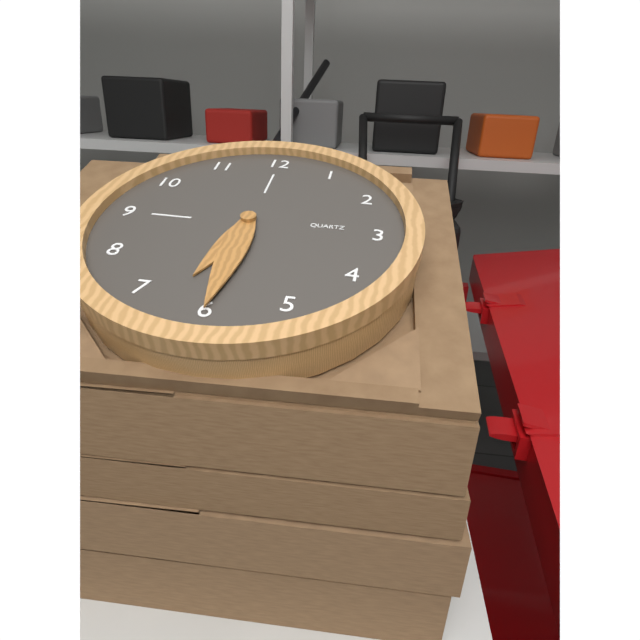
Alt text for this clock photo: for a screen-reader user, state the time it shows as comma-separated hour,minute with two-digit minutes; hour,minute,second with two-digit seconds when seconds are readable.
6,30
